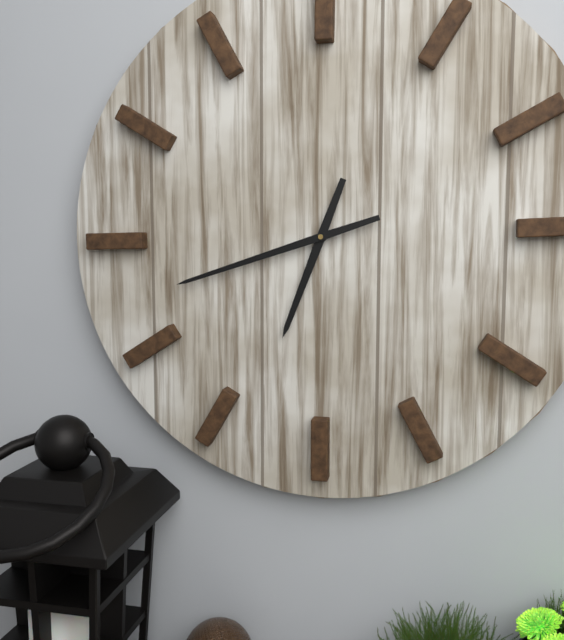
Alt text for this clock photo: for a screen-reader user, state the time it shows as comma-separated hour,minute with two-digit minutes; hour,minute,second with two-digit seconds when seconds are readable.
6,42
